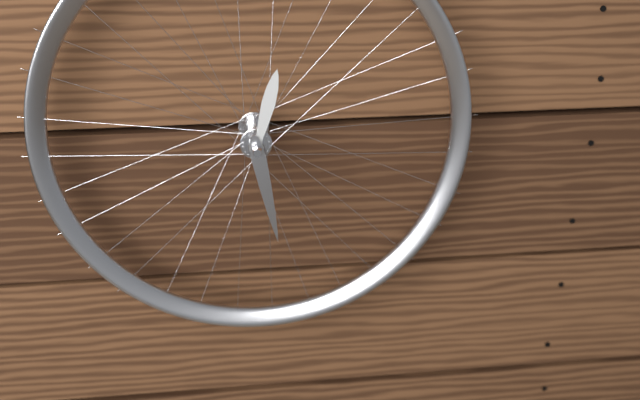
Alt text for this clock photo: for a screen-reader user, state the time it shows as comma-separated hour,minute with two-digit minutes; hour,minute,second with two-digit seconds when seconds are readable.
12,28
